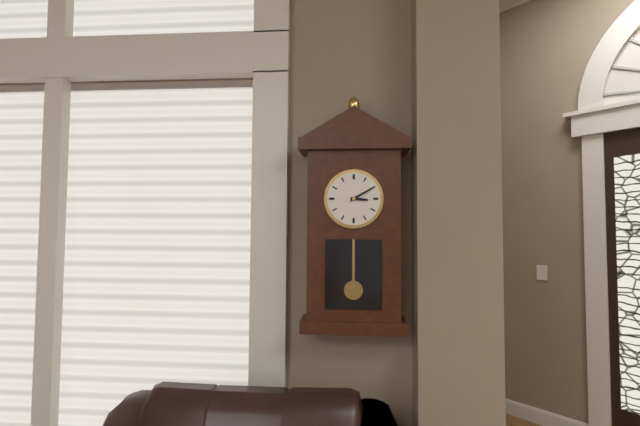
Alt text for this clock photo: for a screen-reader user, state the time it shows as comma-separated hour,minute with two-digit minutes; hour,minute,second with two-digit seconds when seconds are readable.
3,10
